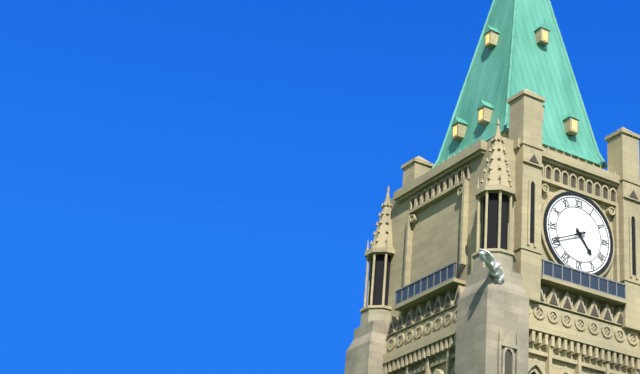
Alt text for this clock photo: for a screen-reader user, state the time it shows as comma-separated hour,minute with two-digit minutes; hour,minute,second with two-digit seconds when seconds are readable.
4,41
